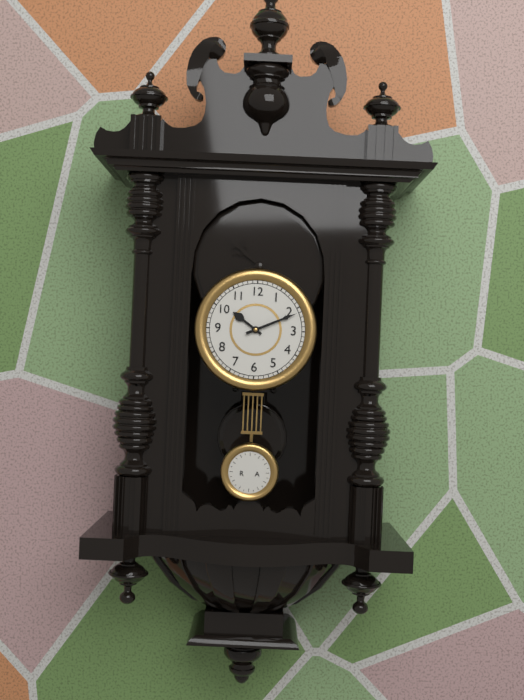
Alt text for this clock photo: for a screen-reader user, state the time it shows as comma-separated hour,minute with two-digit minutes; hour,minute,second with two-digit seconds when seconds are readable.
10,11
